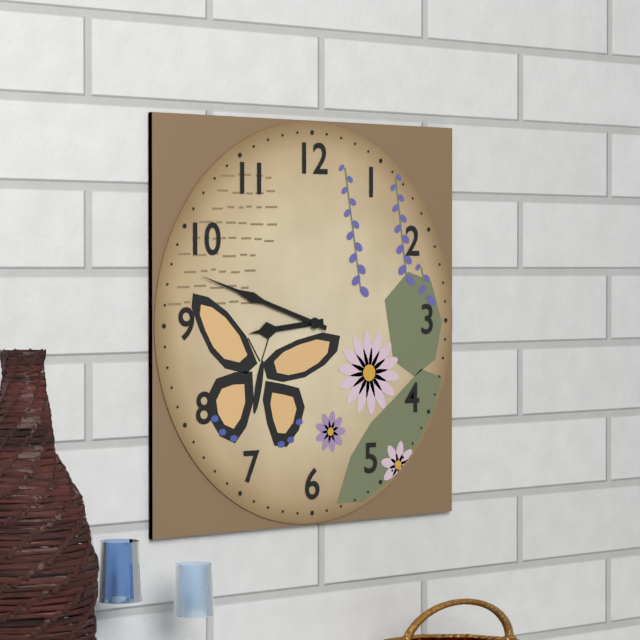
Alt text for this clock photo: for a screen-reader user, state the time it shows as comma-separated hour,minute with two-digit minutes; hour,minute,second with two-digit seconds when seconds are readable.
8,48
